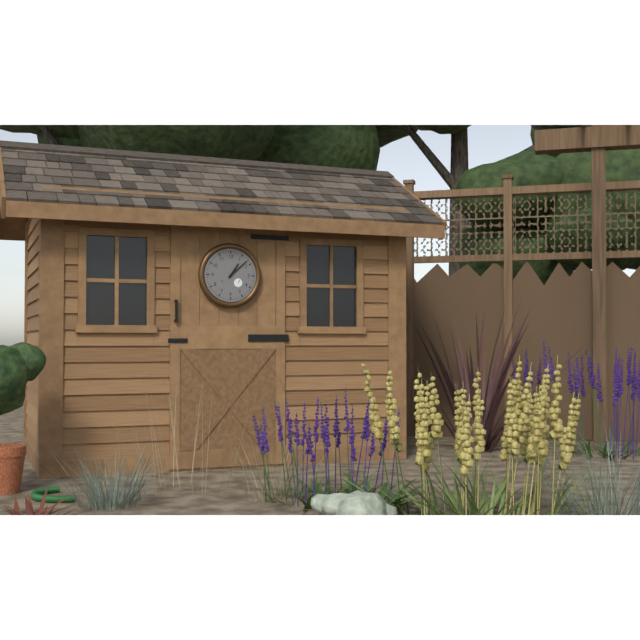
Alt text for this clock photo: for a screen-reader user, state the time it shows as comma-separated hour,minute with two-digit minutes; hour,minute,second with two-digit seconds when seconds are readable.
1,08
